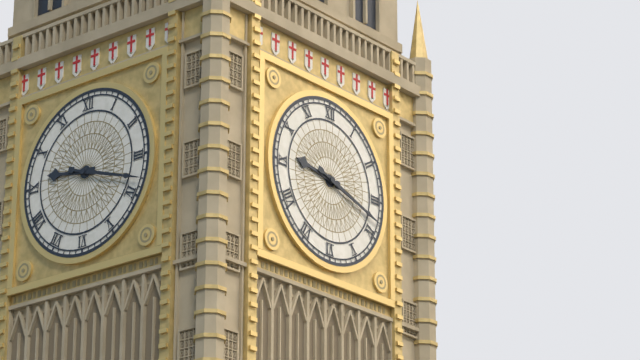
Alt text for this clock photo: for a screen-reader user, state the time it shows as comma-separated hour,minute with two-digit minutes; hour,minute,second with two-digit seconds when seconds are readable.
9,18
